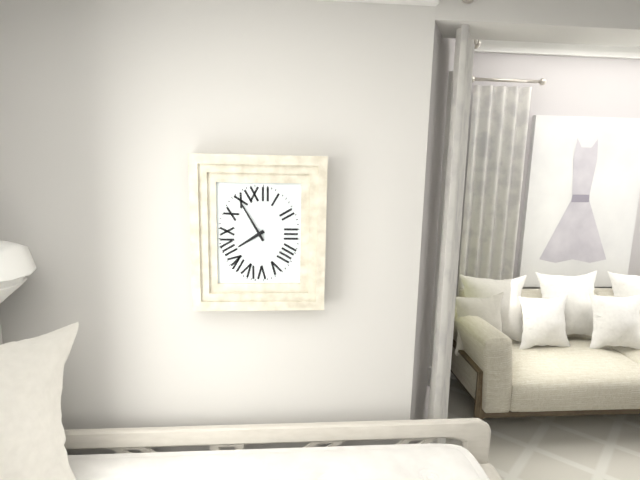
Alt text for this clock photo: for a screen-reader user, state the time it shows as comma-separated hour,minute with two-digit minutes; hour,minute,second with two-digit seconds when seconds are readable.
7,55
